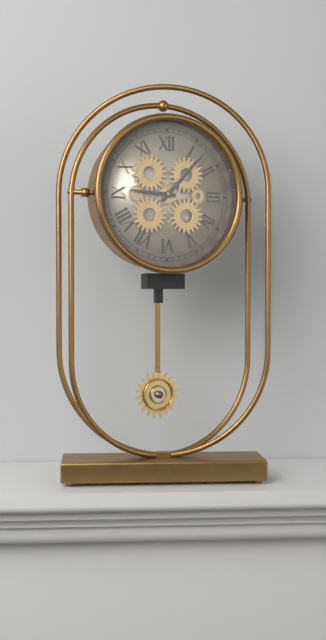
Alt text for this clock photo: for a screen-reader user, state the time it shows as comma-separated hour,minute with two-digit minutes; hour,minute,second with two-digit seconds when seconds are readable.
9,07
